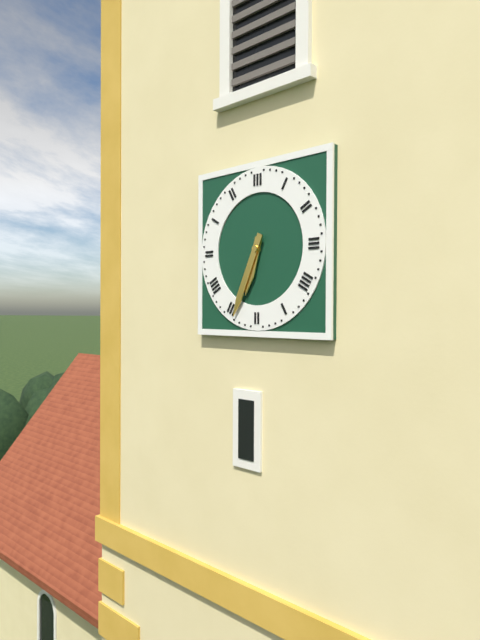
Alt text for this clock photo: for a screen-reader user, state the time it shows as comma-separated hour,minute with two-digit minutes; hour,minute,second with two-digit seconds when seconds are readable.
6,34
